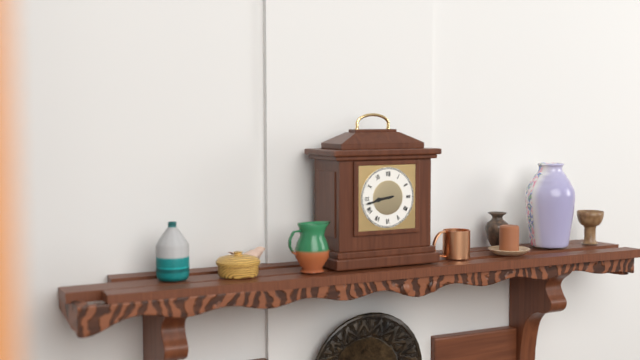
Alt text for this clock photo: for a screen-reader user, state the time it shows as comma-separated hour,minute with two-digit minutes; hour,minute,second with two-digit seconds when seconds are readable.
8,43
